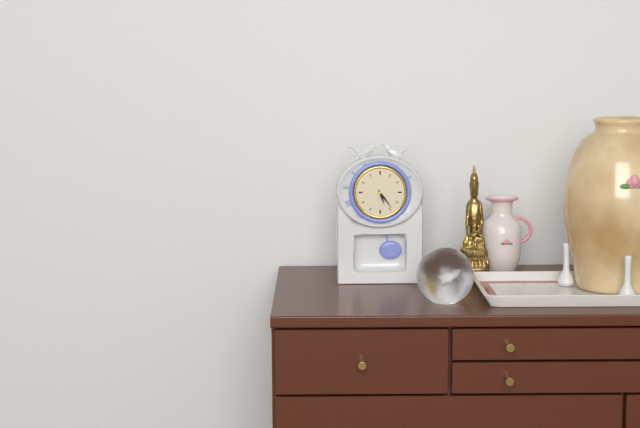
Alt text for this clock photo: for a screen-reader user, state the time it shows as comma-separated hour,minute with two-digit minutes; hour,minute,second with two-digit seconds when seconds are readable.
5,24
